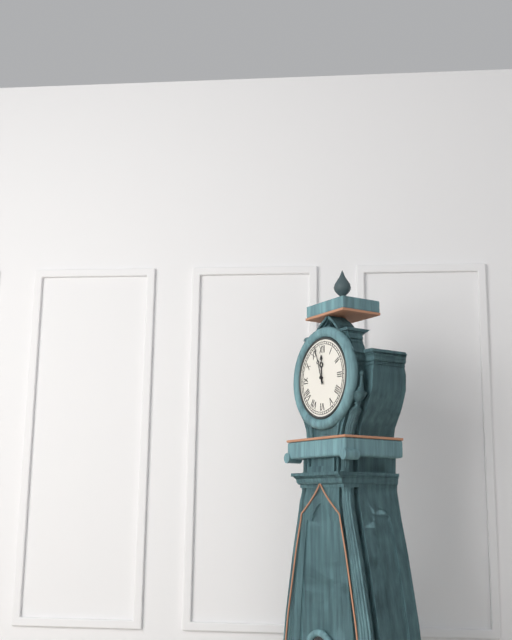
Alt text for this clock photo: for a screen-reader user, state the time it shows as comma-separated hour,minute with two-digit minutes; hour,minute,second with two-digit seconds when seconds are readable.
11,57
